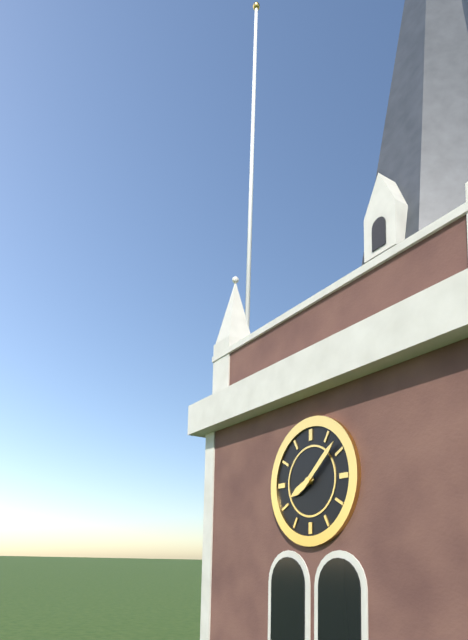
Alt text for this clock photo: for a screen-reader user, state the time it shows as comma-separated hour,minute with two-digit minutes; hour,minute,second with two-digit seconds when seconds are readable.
8,08
